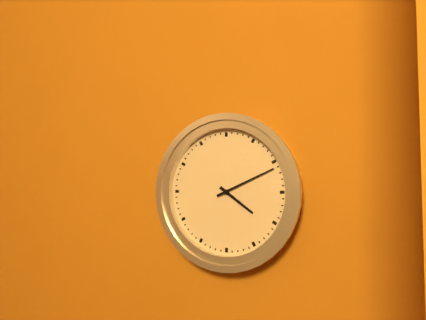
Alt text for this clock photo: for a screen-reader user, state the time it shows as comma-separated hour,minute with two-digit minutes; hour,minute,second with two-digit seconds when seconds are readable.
4,11
